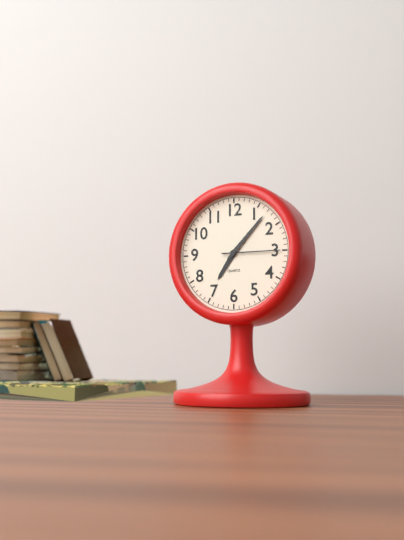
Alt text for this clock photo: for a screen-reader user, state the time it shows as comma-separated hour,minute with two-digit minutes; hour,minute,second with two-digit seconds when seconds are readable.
7,07,15
